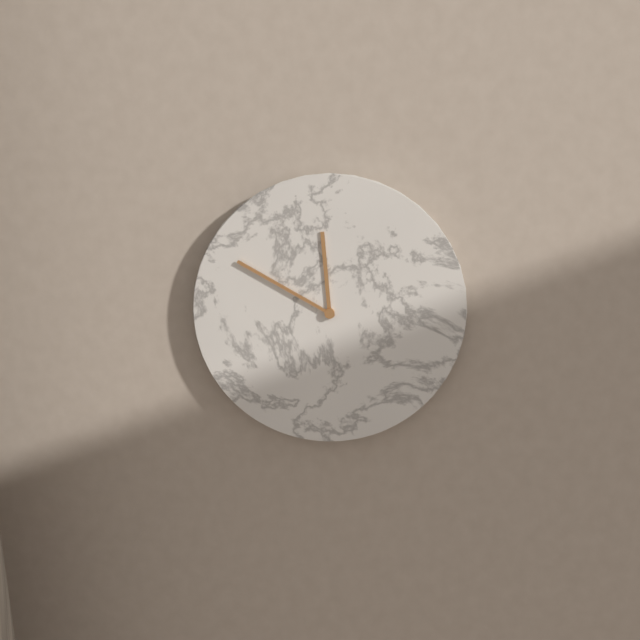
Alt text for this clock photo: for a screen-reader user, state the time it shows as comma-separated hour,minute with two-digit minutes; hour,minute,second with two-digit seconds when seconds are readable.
11,50
